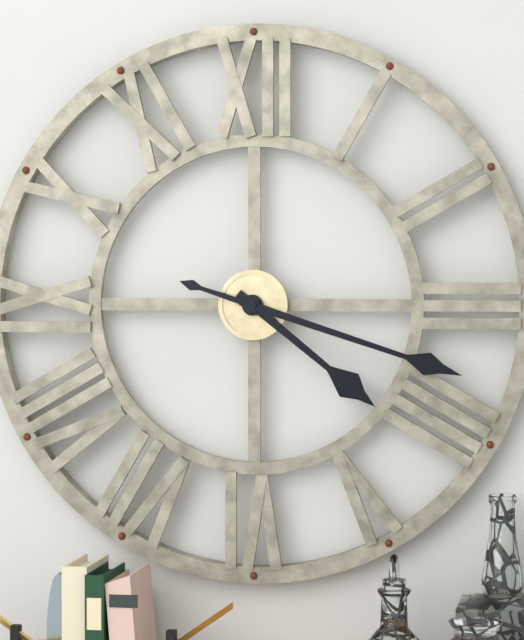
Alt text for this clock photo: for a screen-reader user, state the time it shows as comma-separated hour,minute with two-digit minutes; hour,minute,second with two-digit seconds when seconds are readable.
4,18
